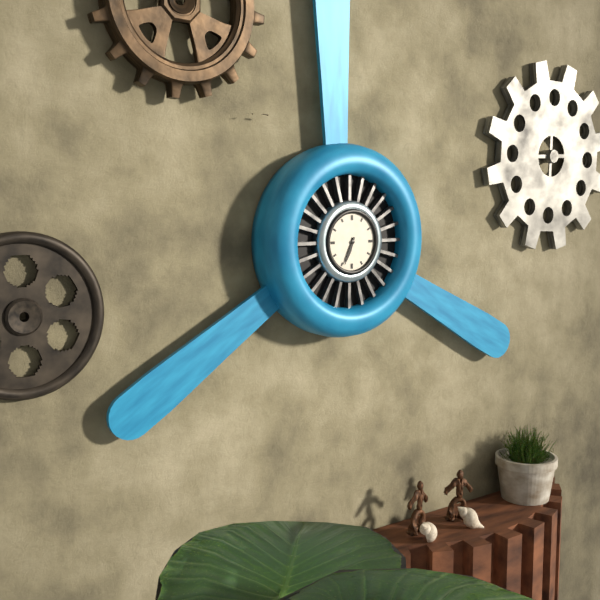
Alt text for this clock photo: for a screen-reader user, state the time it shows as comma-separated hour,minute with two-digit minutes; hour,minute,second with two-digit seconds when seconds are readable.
6,34
